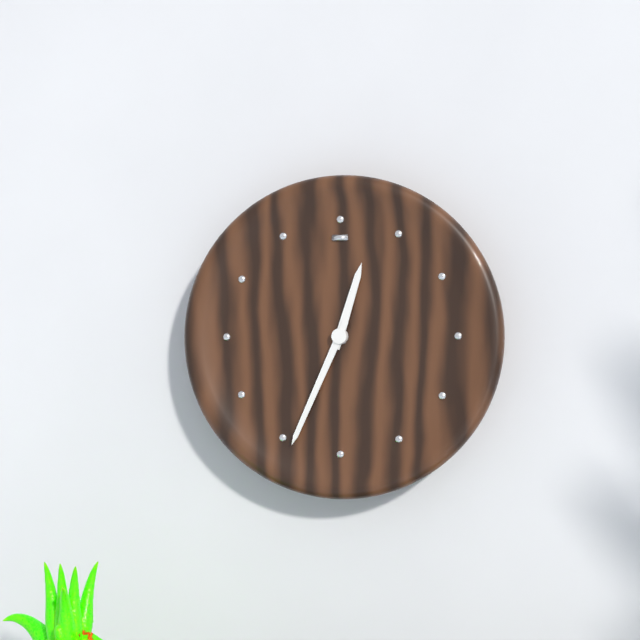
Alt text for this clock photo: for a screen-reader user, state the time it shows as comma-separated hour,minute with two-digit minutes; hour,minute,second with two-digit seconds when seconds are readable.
12,34
